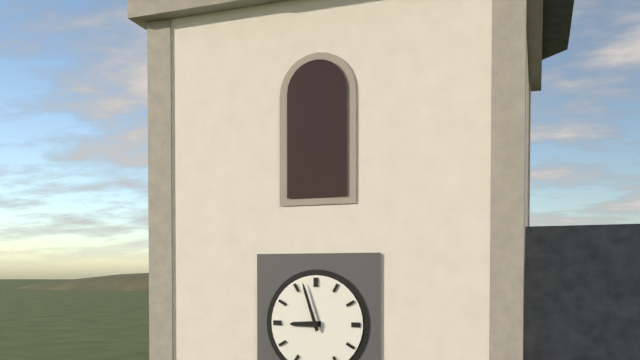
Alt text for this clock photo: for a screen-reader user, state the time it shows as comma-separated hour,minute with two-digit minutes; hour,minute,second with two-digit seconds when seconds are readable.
8,57
